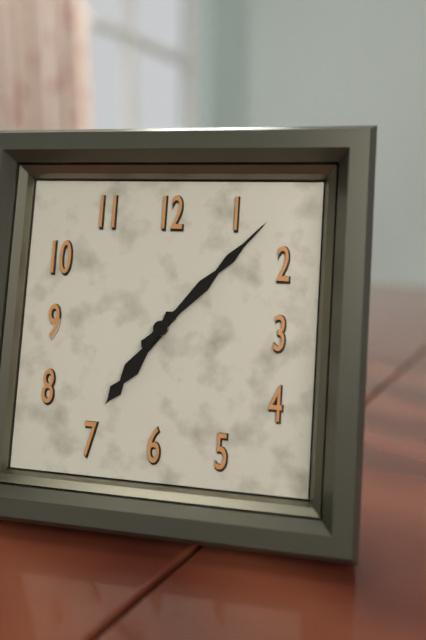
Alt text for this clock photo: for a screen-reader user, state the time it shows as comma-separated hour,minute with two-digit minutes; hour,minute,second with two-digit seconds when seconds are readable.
7,07
